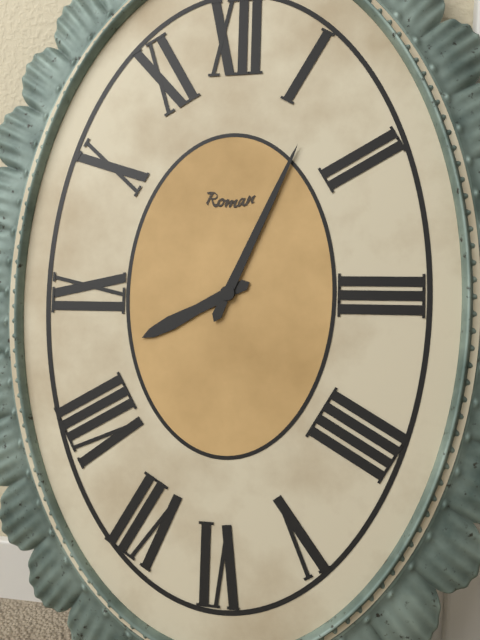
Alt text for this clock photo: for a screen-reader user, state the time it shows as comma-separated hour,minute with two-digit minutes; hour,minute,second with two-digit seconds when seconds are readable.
8,04
